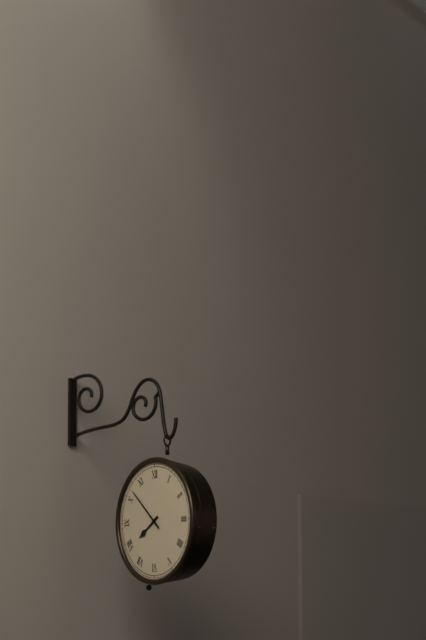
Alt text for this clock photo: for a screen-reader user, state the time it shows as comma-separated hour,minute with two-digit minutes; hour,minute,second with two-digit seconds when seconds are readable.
7,52
